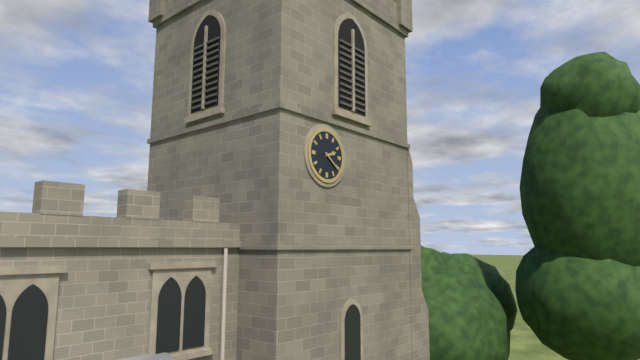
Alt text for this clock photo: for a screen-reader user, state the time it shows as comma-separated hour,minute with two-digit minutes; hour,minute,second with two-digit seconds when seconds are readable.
2,21
